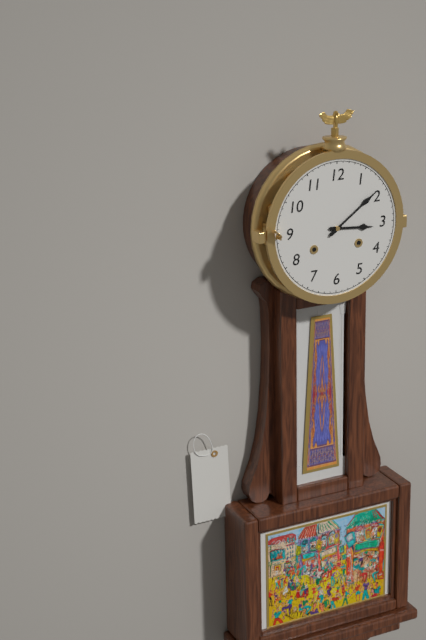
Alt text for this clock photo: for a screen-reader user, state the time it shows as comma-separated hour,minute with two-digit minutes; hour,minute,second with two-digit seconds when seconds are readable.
3,09
